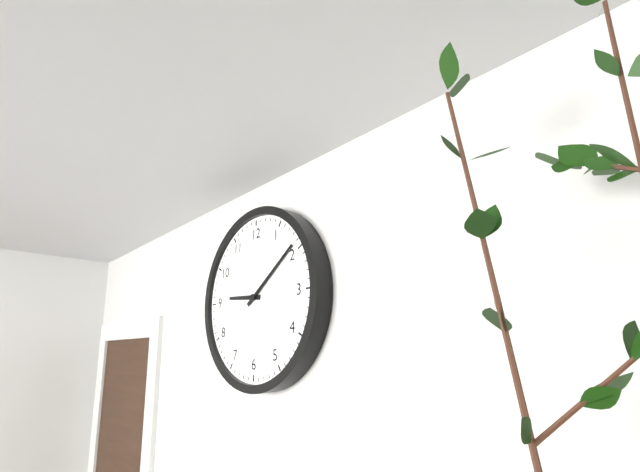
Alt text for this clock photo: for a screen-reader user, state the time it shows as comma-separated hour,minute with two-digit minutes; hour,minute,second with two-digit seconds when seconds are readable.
9,09
